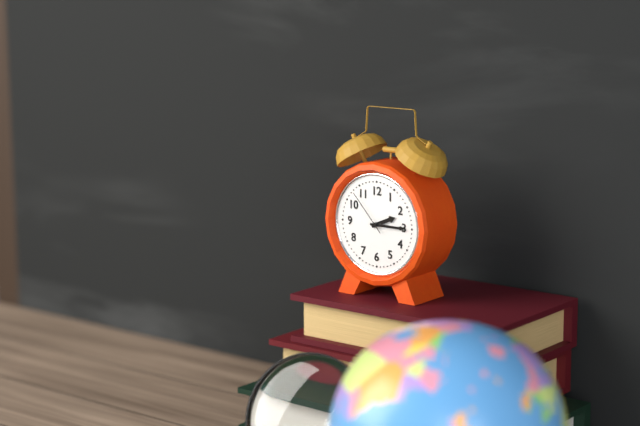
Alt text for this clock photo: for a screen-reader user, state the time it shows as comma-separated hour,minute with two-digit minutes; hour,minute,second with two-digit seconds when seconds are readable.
2,15
